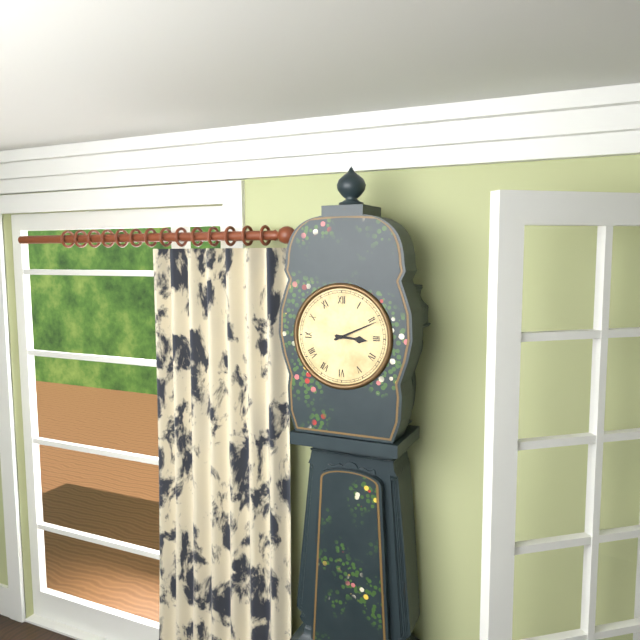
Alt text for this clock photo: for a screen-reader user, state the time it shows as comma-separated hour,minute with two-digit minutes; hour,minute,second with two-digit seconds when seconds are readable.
3,11
